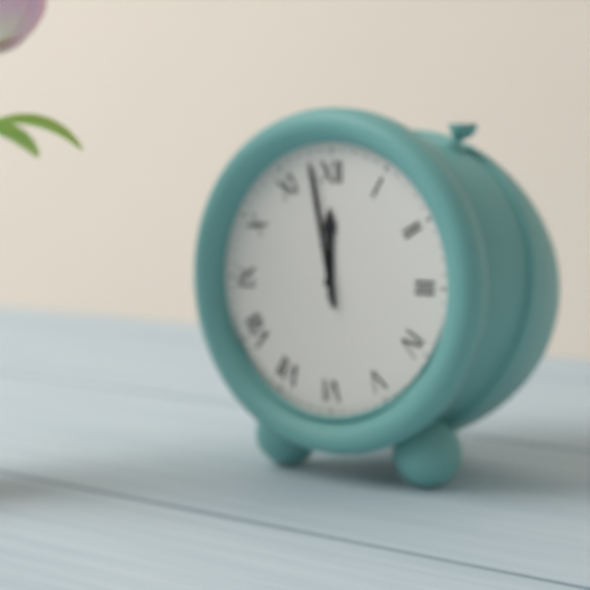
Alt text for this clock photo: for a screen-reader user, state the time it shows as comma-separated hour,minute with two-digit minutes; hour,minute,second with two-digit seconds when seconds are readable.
11,58
